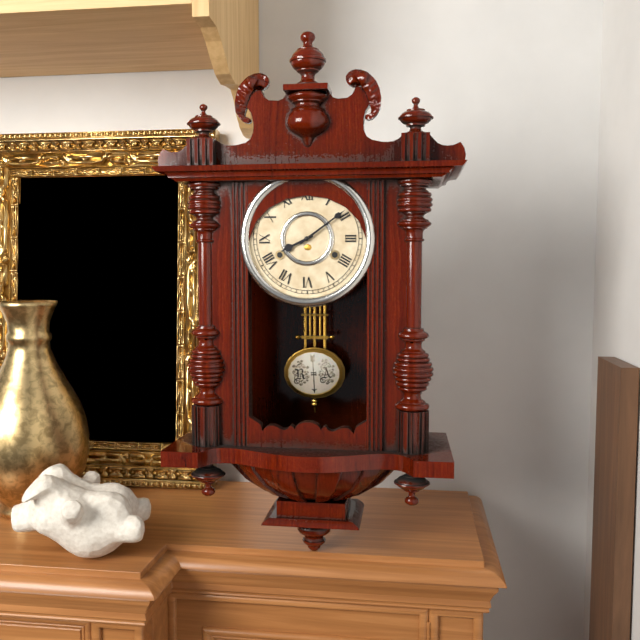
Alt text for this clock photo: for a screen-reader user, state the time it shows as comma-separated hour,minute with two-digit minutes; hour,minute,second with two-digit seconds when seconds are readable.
8,09
